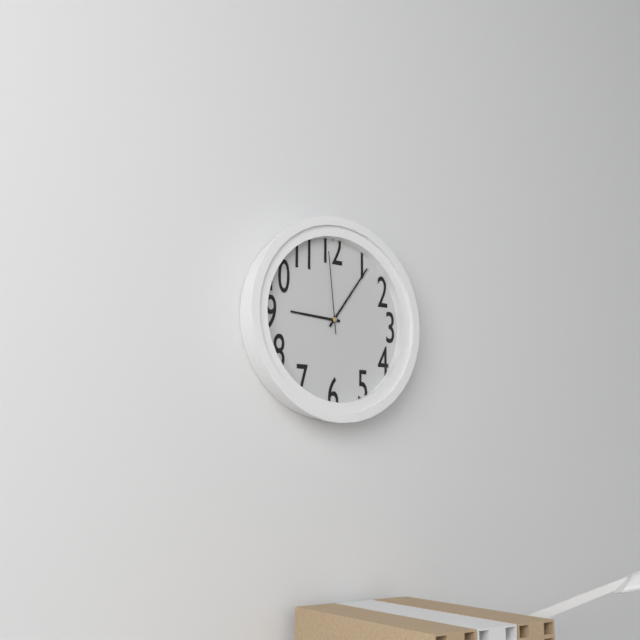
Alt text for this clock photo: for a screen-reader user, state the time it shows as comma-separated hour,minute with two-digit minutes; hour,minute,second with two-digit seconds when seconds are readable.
9,06,59
